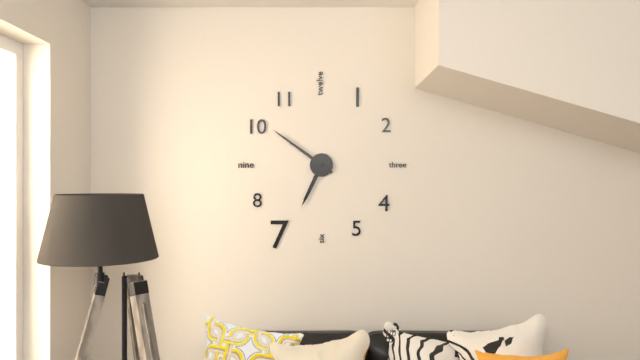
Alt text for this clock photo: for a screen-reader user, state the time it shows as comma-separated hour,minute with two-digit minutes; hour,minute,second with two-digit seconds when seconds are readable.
6,51
